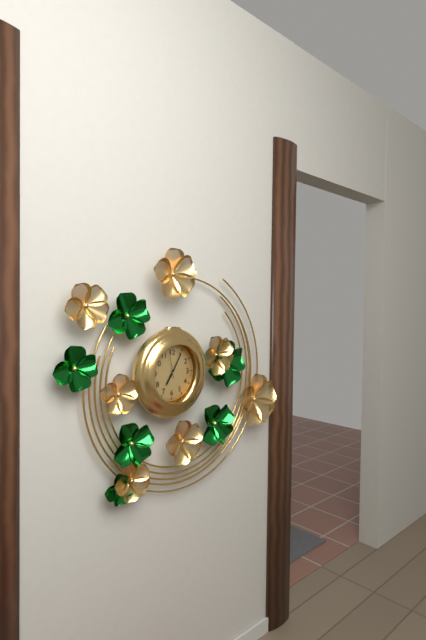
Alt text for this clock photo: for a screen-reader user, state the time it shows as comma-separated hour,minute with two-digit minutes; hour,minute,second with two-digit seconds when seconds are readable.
7,05
